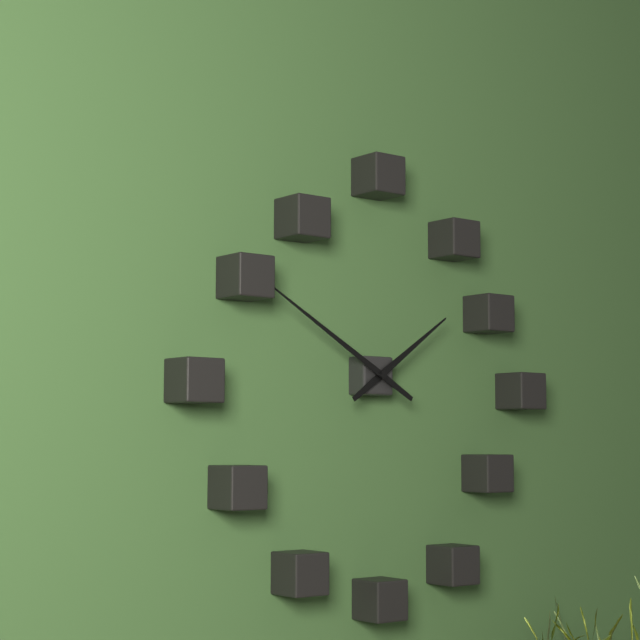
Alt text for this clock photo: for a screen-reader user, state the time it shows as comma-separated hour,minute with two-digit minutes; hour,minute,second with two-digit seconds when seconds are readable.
1,50
